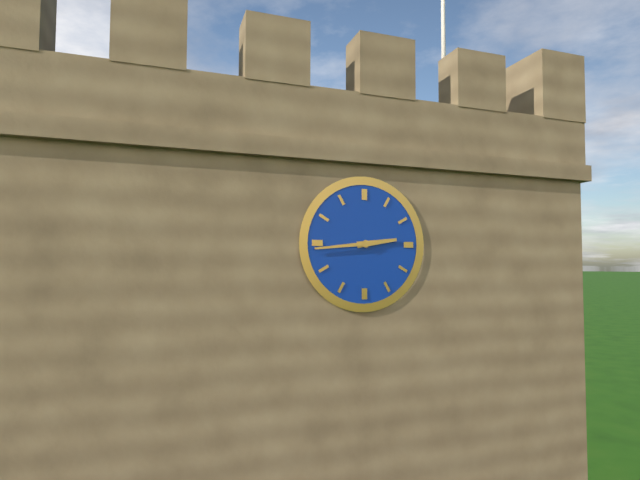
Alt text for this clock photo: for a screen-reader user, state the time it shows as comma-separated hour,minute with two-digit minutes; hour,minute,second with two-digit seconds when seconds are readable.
2,44
